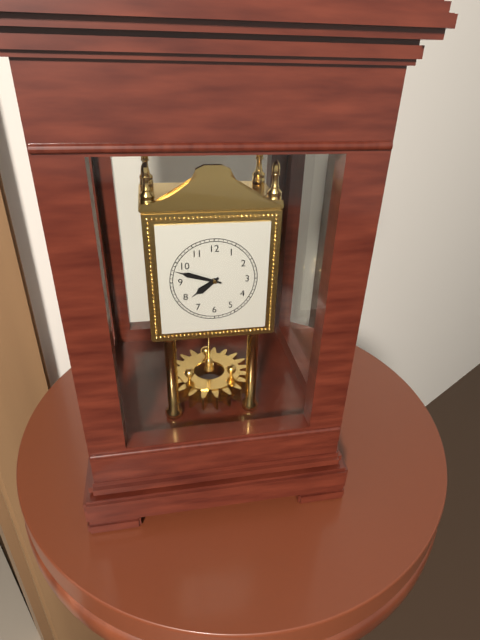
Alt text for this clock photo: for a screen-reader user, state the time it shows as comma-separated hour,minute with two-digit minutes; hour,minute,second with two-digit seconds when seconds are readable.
7,48
